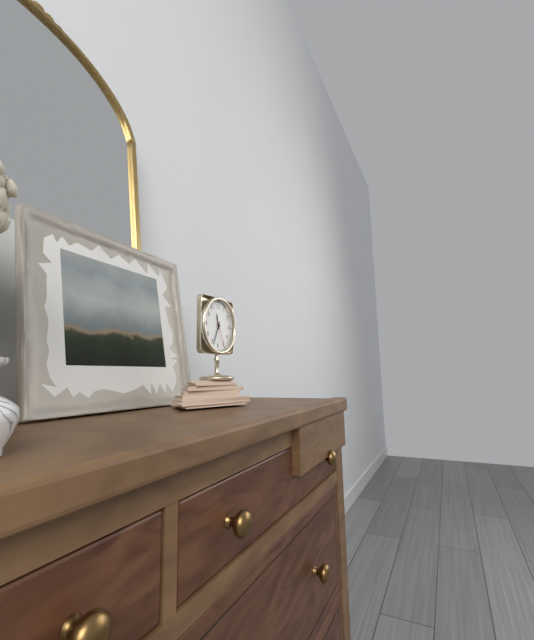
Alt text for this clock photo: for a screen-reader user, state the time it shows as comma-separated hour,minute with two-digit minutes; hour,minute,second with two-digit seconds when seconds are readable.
11,34
